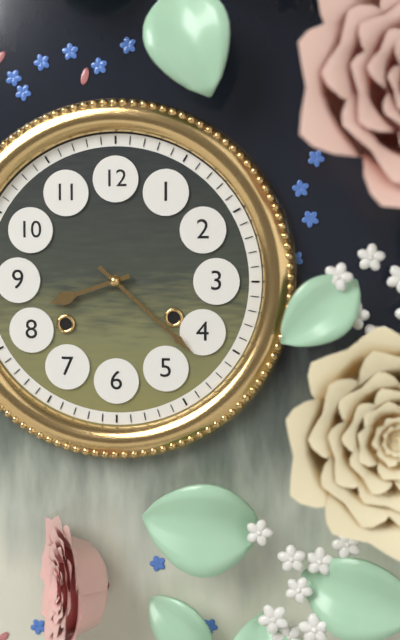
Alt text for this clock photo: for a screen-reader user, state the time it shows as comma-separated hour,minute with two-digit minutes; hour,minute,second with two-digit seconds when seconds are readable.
8,22
